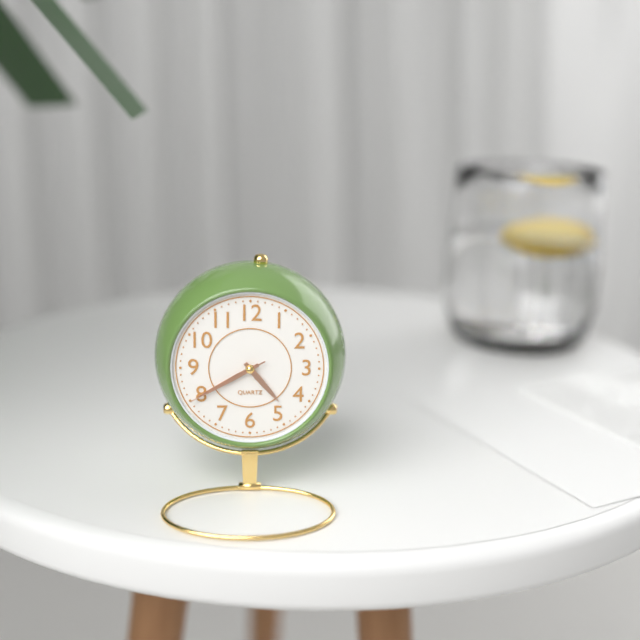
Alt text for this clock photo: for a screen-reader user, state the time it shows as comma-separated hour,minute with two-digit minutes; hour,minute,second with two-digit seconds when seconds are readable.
4,40,40
